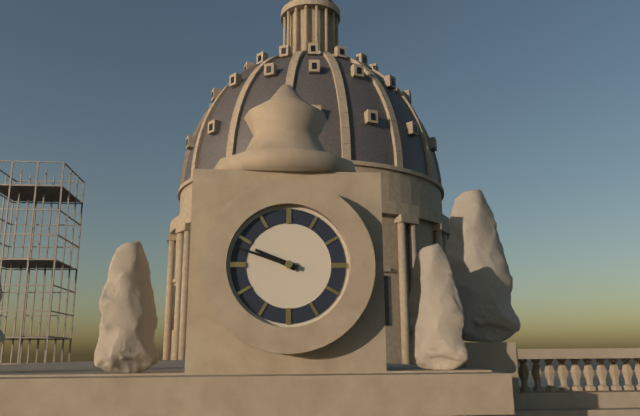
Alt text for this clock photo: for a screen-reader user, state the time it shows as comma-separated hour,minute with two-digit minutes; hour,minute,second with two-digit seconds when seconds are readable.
9,48
